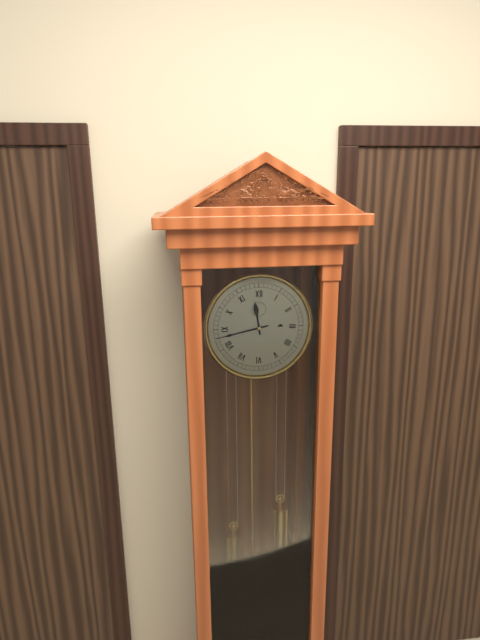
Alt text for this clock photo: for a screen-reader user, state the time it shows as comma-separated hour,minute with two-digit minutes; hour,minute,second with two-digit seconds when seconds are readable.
11,43
